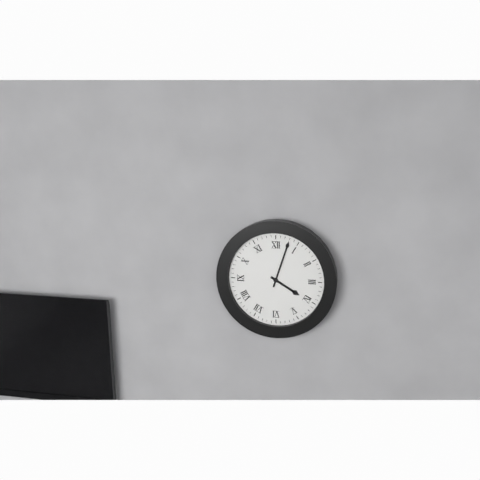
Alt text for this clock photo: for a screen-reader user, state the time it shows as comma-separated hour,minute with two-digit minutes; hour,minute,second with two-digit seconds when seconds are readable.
4,03
